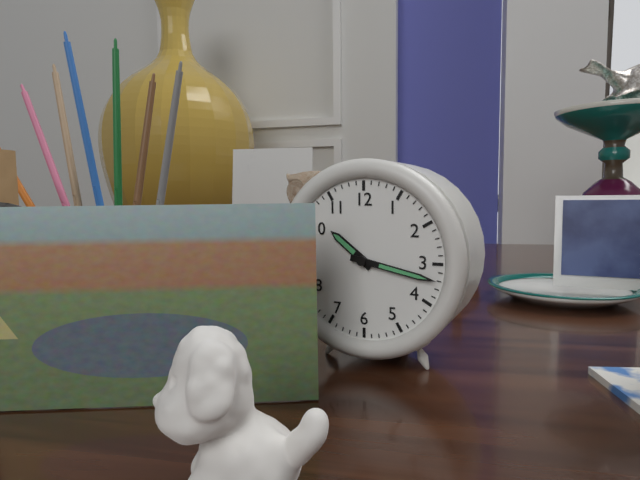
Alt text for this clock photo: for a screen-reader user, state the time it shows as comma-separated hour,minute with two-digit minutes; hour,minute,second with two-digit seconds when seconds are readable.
10,17
